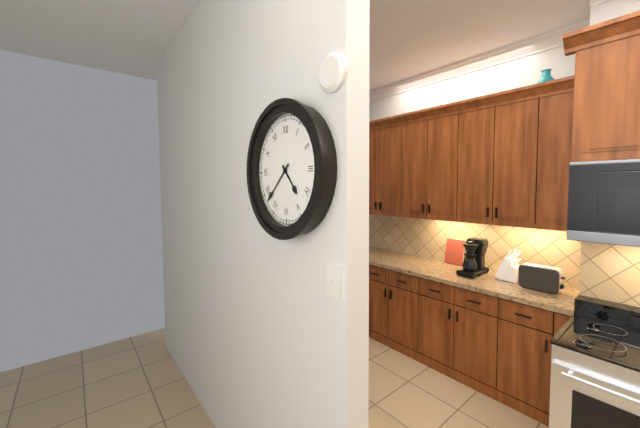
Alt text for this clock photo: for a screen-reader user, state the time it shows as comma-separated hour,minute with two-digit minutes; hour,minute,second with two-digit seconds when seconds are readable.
4,38
